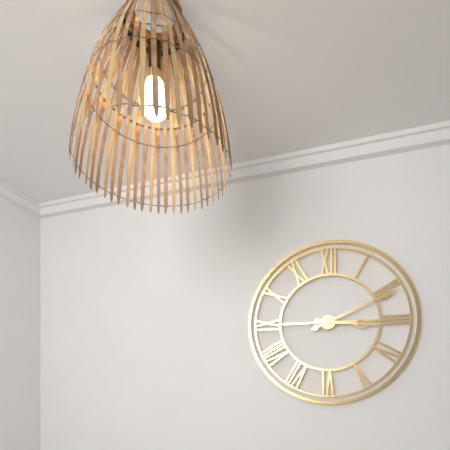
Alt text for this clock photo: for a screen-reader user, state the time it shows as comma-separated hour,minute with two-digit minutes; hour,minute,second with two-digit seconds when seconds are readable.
3,11
